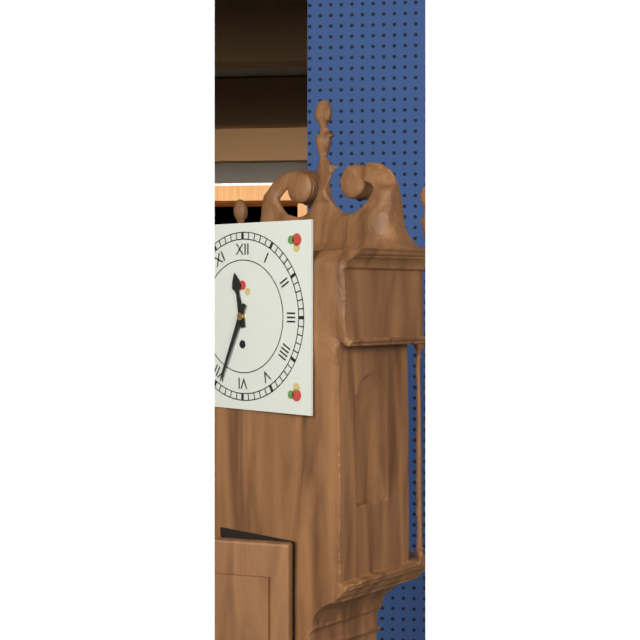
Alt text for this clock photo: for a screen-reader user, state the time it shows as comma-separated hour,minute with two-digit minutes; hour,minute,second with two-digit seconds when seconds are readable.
11,34
